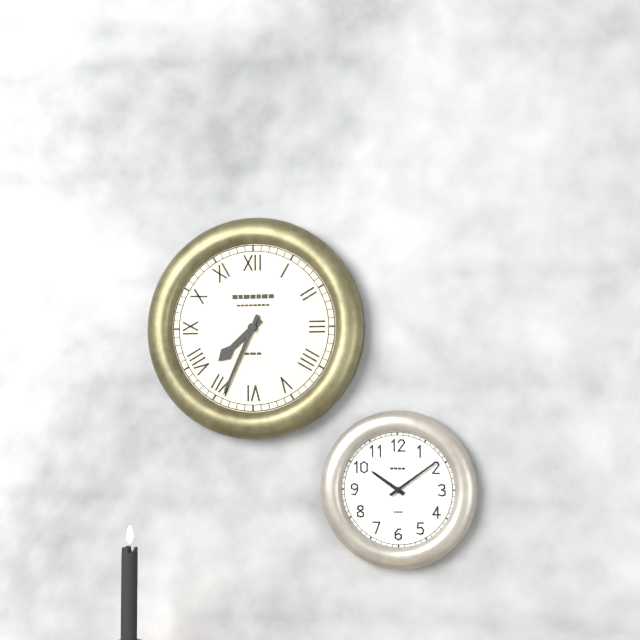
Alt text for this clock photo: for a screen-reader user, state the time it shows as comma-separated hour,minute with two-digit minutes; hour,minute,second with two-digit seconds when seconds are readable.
7,34
